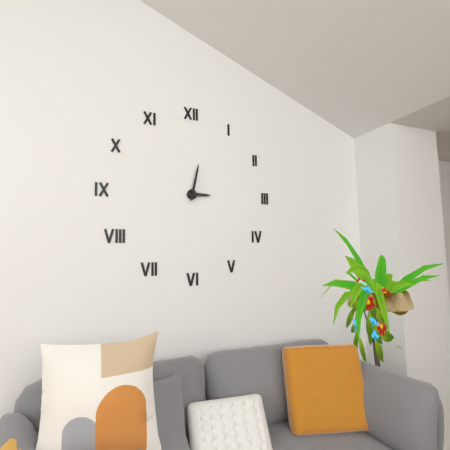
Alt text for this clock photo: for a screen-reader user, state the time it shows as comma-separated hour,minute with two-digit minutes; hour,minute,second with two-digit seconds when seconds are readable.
3,02
